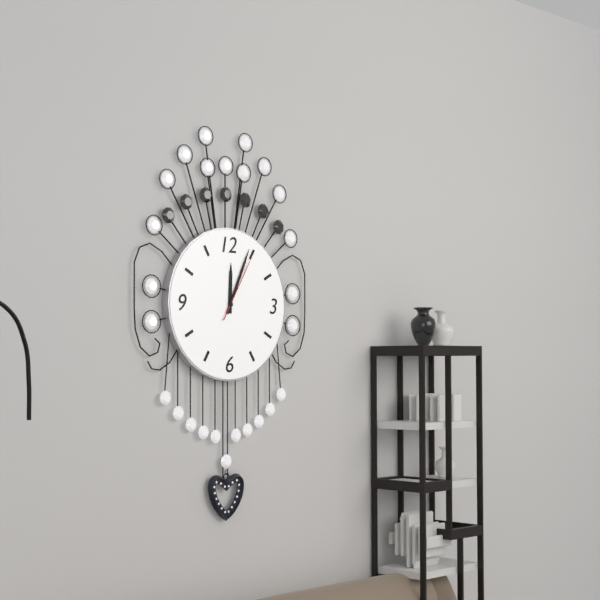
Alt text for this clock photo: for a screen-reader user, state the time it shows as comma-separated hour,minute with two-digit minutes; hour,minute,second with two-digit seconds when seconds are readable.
12,04,05
